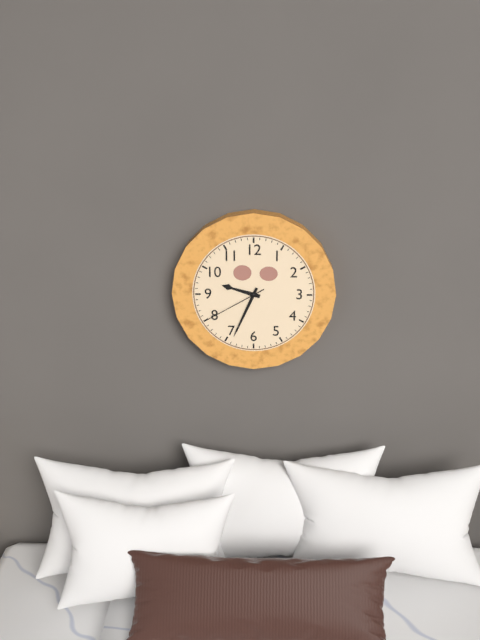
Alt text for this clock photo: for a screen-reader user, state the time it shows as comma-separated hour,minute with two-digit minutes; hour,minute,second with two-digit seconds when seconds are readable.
9,34,40
